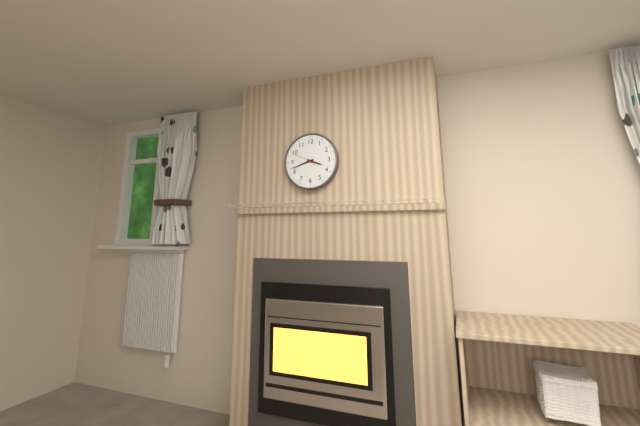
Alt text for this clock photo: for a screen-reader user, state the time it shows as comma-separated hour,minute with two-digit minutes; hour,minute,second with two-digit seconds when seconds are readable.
3,42
